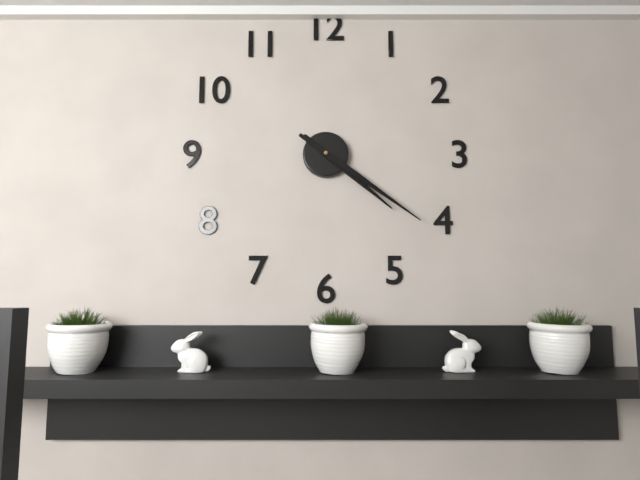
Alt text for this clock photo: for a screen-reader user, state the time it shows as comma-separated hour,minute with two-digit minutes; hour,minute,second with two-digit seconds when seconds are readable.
4,21
